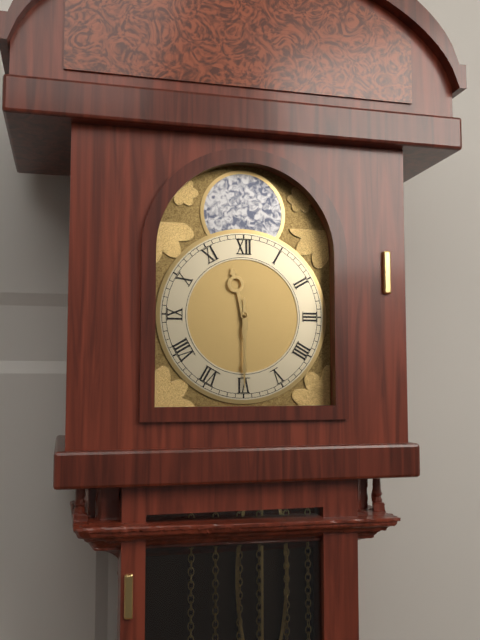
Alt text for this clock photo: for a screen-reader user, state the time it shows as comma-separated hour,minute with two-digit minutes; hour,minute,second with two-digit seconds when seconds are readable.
11,30
